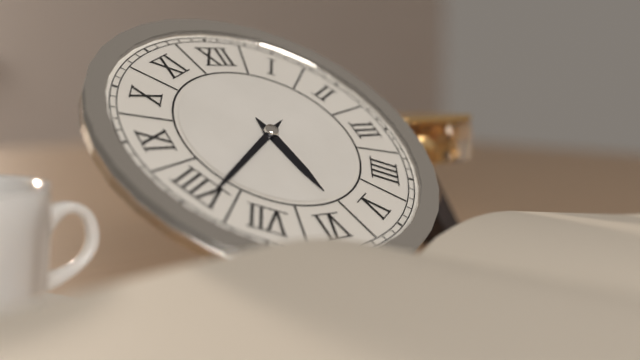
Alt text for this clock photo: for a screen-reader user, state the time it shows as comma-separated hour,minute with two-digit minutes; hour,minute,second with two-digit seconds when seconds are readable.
5,39
